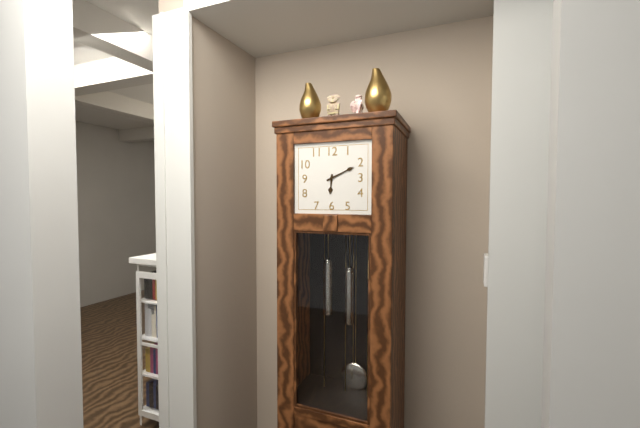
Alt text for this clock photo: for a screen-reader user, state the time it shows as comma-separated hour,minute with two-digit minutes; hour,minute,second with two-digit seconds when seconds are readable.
6,11
